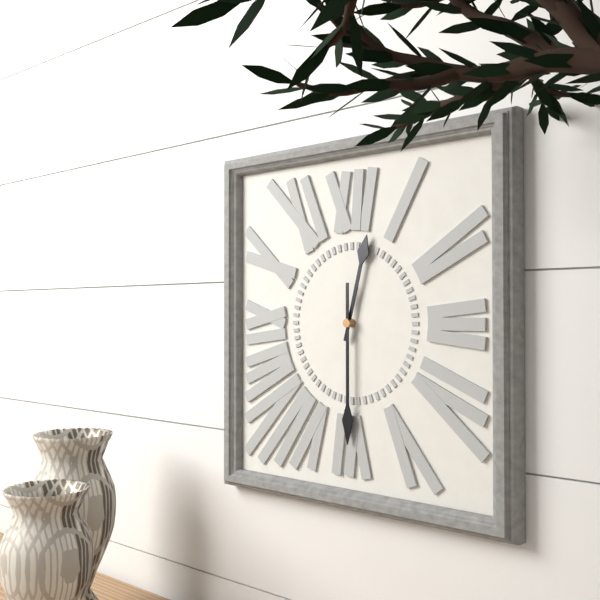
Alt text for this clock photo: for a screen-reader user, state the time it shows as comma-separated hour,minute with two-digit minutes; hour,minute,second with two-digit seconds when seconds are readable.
12,30
